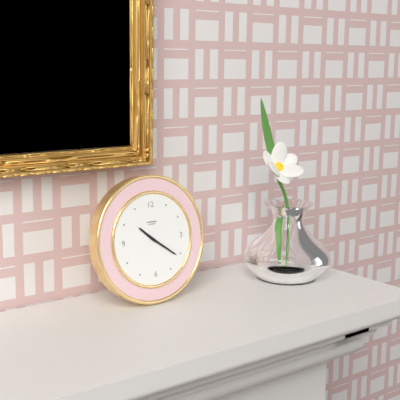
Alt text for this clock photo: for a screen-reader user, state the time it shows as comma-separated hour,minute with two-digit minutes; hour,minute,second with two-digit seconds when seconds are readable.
10,21
